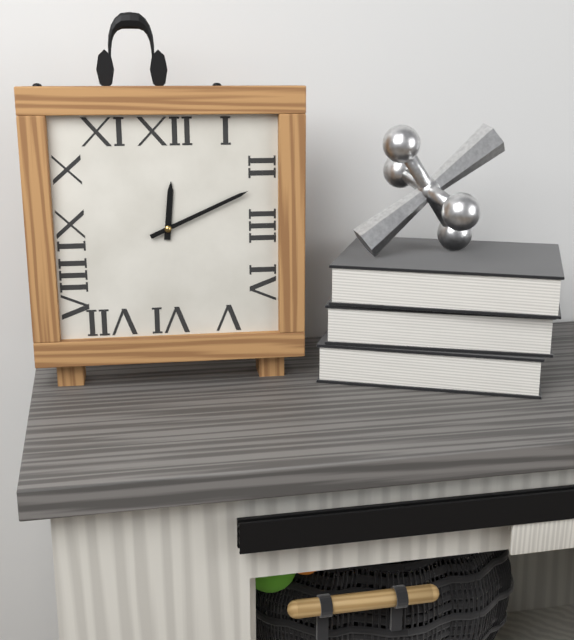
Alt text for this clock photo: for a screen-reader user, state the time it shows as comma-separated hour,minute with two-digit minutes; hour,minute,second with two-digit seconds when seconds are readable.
12,11
